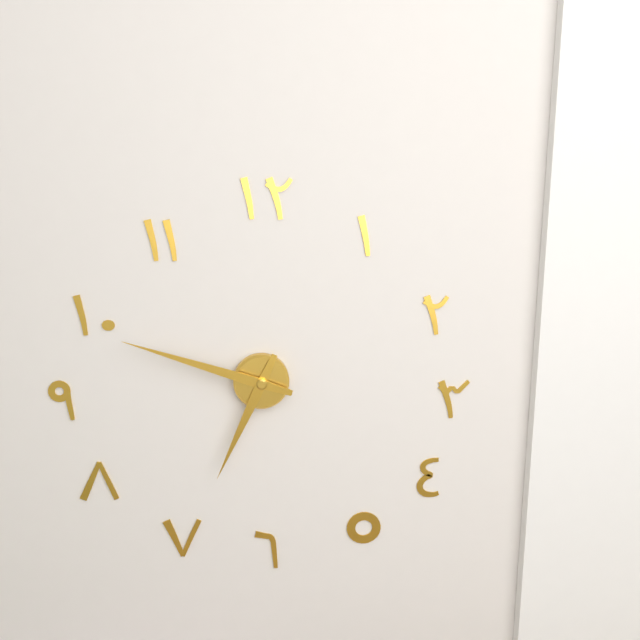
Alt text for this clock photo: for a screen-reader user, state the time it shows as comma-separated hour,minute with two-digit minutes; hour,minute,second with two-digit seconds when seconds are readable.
6,48
